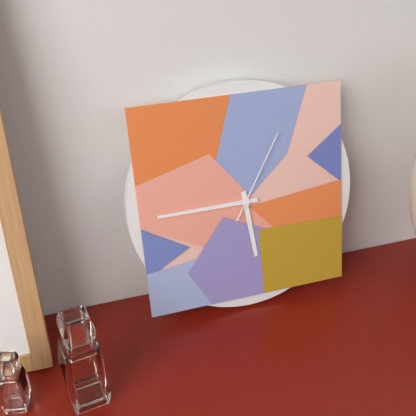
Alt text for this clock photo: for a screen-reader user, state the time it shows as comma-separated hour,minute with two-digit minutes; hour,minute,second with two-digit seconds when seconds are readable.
5,45,05
